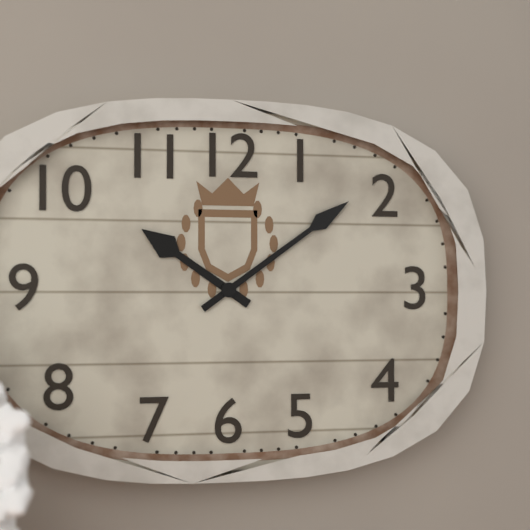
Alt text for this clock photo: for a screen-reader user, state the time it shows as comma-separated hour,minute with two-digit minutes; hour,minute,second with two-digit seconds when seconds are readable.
10,09
